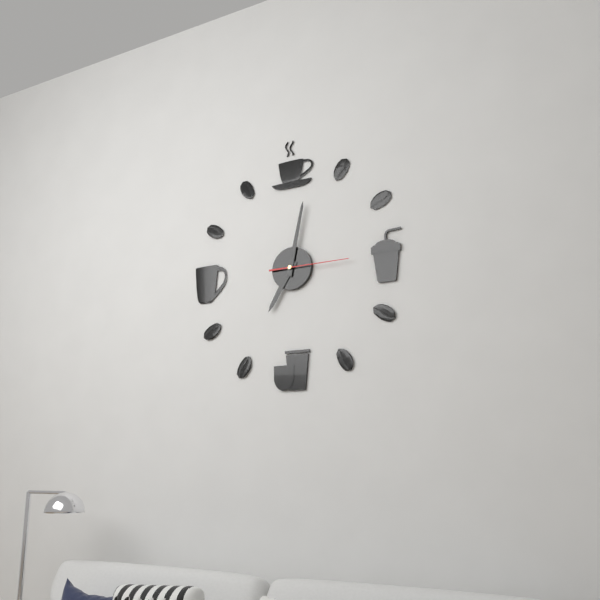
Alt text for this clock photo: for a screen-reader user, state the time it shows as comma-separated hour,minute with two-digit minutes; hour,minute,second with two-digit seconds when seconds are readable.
7,02,15
